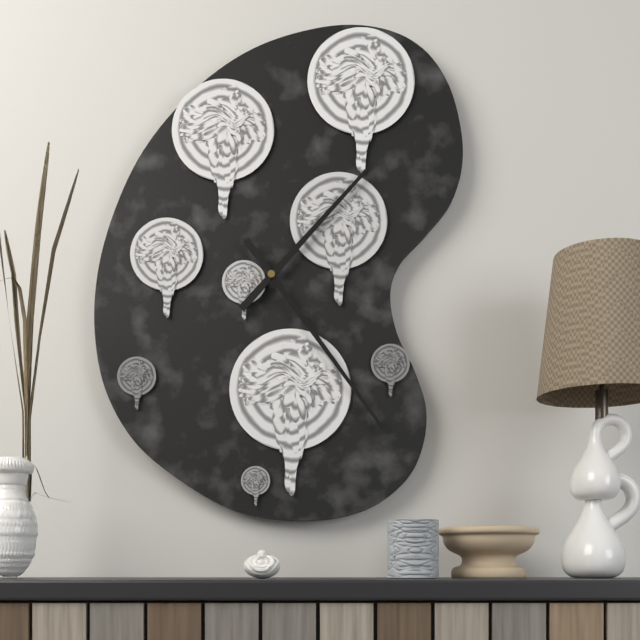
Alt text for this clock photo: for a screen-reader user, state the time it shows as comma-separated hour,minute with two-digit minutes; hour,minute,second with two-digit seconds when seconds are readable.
1,24
